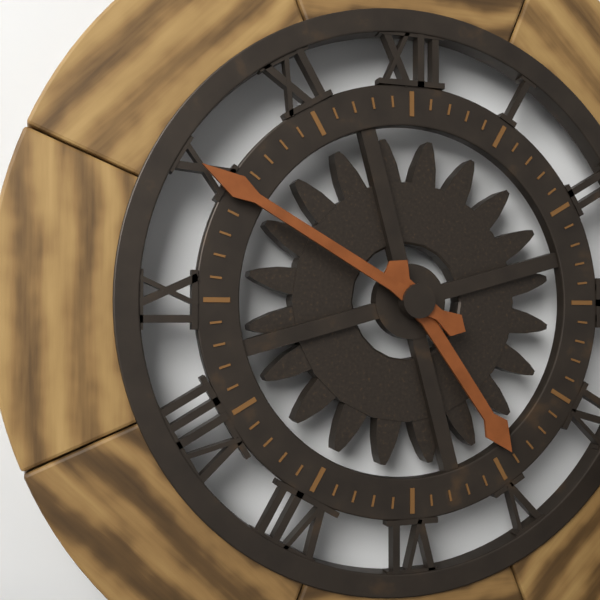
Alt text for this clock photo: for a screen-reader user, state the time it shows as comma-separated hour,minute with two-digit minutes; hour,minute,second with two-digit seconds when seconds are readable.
4,50
